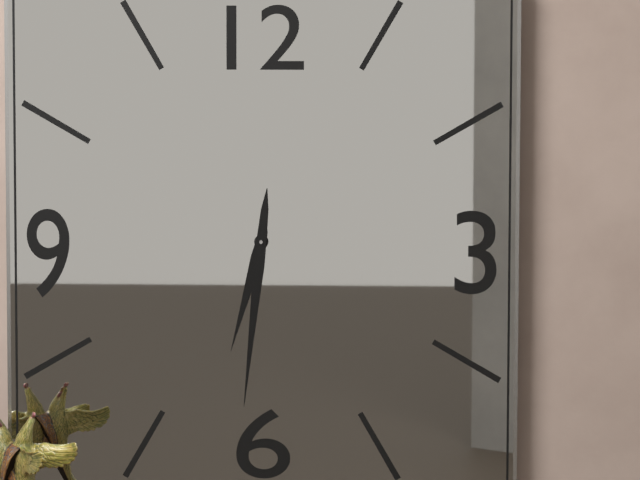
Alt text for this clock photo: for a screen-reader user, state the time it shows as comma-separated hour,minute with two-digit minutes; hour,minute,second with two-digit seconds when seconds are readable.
6,31
